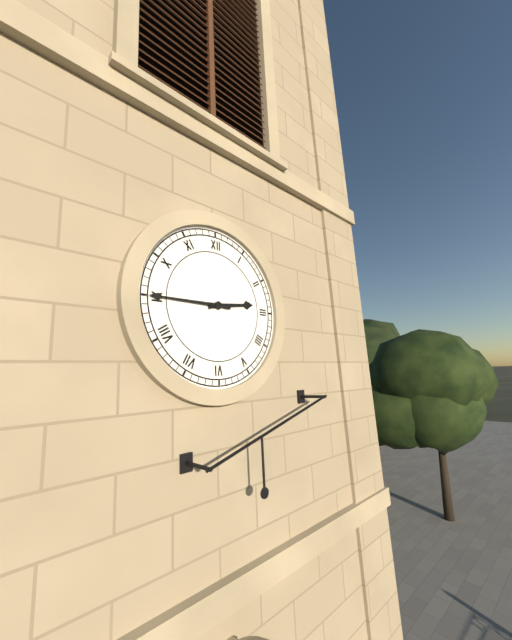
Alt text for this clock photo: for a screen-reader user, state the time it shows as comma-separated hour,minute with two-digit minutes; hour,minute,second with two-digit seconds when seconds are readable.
2,45
